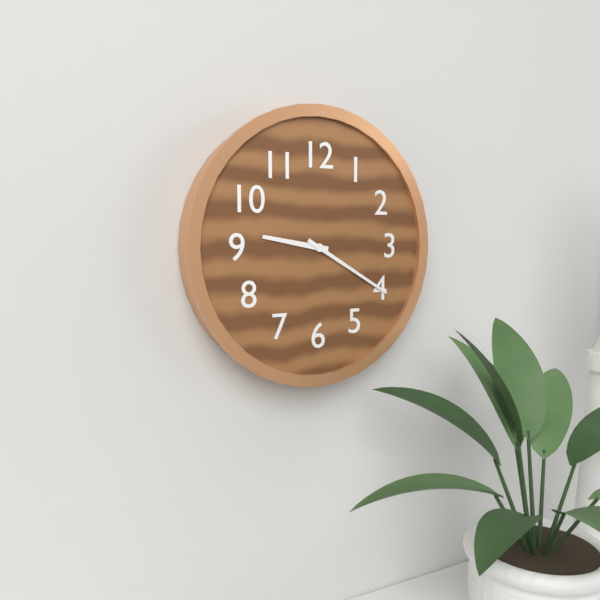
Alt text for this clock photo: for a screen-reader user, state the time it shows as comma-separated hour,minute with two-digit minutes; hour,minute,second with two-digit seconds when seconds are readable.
9,20
